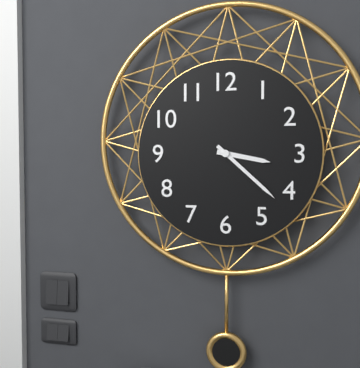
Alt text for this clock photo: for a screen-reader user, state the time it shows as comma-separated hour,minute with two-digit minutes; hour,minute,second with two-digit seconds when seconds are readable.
3,22
